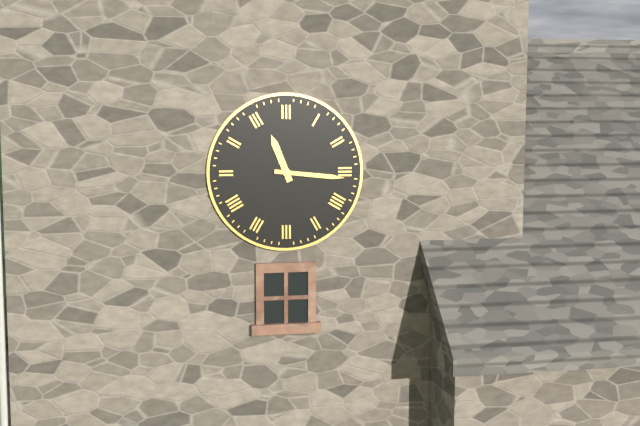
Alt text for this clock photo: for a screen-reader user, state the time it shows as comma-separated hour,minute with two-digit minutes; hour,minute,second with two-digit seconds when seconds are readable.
11,16
